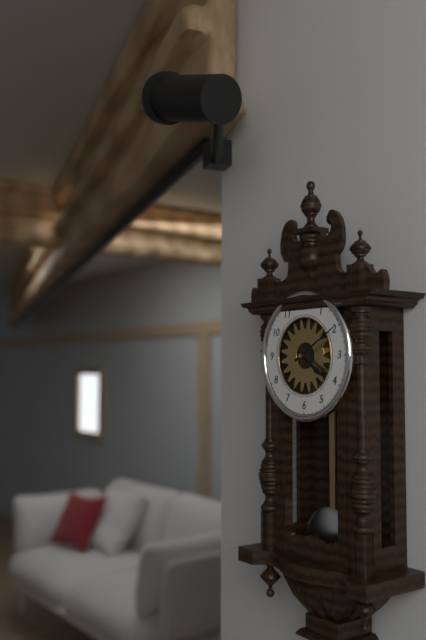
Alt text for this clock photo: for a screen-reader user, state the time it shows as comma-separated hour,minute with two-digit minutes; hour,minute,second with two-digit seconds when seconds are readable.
4,10
